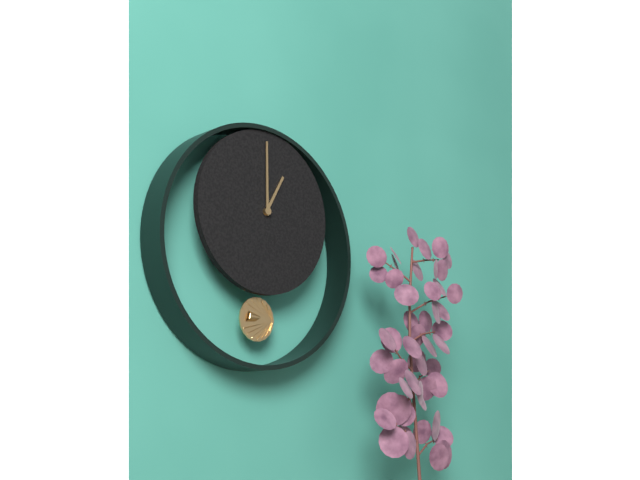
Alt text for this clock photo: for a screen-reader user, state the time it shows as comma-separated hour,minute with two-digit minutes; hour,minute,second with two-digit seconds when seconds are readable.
1,00
